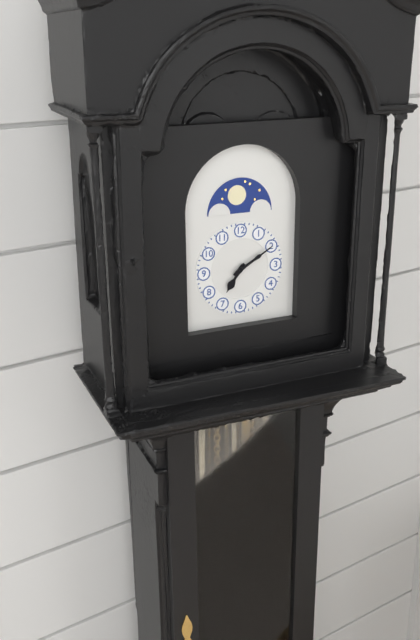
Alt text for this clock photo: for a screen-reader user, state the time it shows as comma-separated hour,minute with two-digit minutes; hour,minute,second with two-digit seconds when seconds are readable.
7,10
